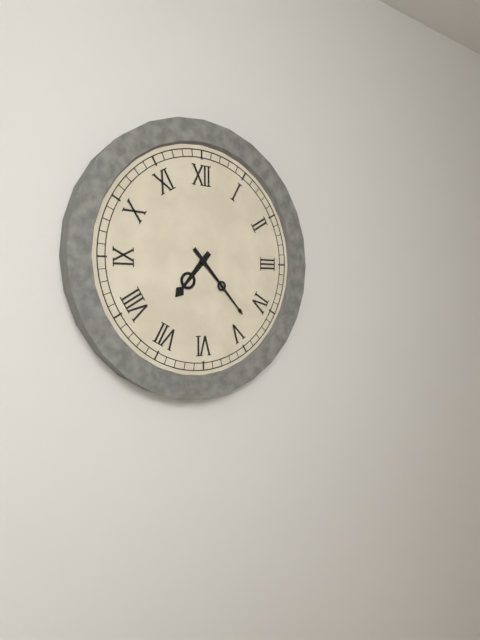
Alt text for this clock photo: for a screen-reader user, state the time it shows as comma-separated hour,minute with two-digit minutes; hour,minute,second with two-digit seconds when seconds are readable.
7,23
